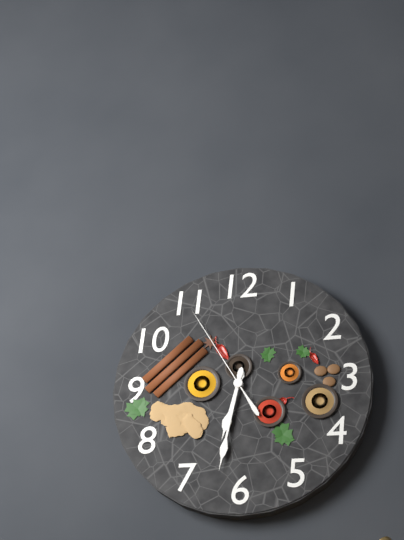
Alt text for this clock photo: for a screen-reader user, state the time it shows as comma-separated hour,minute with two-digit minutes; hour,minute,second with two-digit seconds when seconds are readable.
6,32,55
